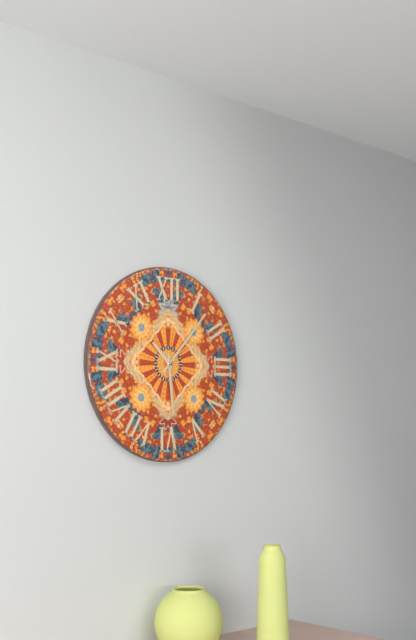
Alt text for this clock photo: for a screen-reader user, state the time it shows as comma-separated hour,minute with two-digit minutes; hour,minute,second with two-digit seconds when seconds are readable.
10,29,07
